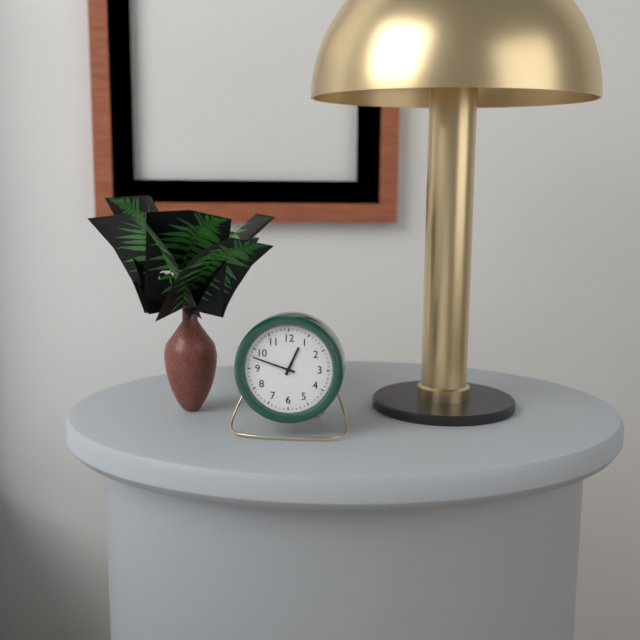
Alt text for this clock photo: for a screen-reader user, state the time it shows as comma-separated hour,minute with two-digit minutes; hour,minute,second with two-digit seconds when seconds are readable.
12,48
